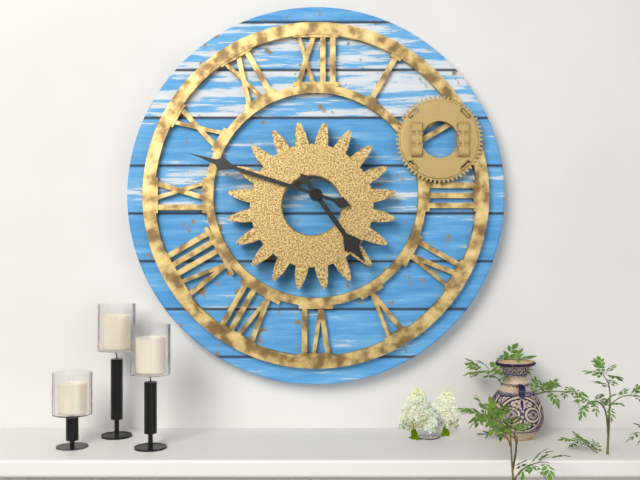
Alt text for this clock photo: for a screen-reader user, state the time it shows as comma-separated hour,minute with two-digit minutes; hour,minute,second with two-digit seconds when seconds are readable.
4,48
